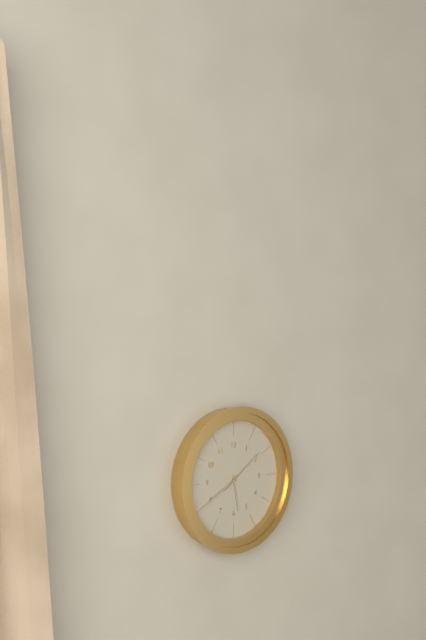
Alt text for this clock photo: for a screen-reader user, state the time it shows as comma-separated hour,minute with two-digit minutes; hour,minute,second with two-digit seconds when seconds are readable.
5,40
